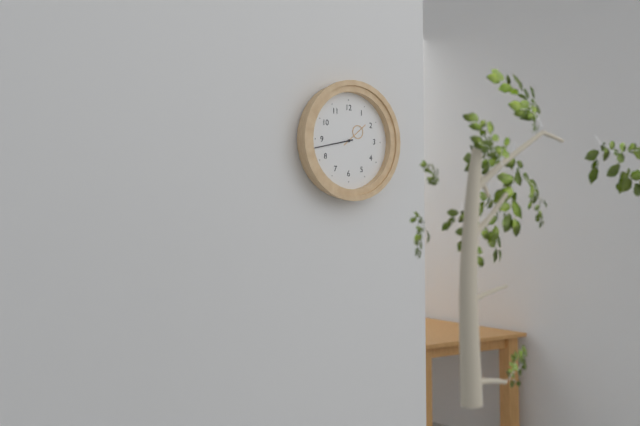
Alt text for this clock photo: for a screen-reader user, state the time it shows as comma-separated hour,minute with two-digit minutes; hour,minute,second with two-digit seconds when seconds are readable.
1,43
